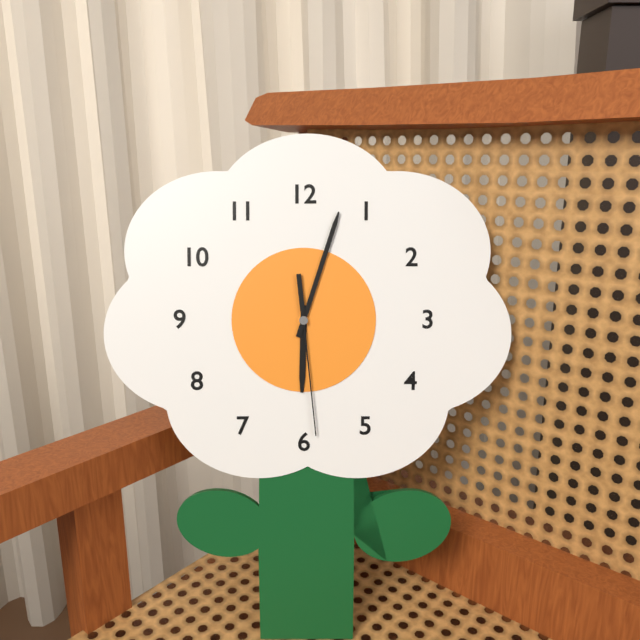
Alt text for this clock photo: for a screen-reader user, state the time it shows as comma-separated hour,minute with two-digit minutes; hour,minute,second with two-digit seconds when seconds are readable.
6,03,29
